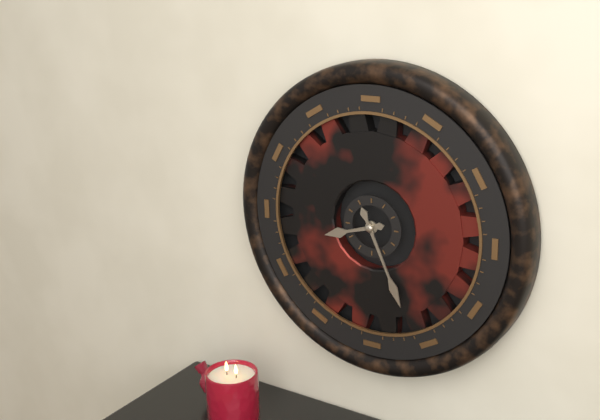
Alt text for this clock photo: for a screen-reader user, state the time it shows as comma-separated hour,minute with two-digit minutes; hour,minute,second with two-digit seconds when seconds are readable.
8,26
